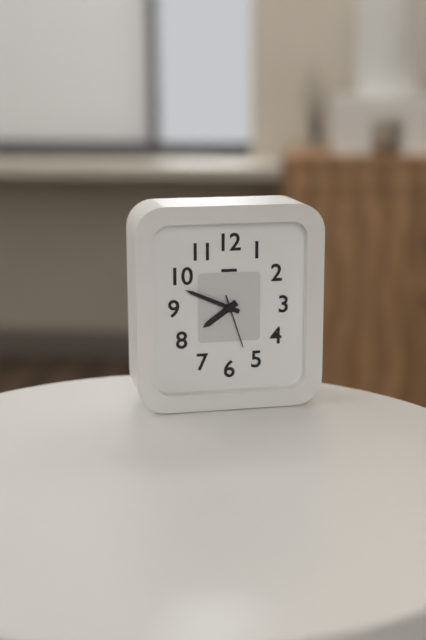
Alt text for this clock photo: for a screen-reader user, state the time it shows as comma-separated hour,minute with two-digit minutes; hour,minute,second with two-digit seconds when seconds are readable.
7,49
